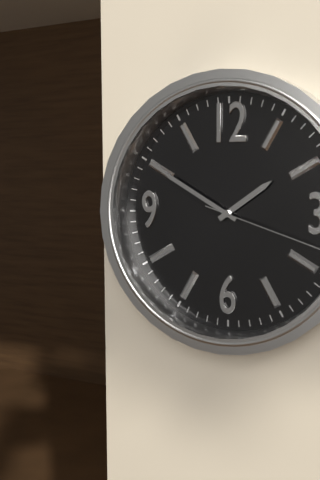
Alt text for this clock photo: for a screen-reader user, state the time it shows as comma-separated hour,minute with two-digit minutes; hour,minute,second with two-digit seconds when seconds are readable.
1,50,18
